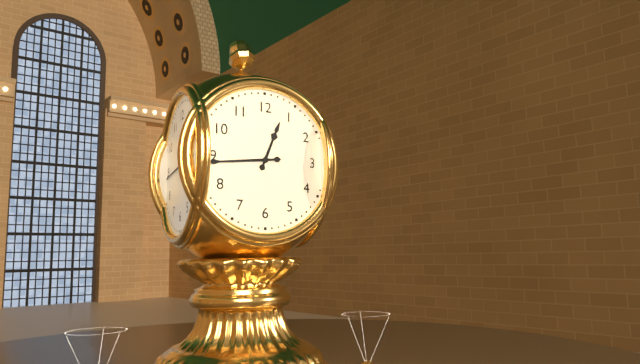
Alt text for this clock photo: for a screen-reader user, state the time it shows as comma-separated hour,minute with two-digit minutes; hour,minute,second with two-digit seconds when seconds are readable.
12,44
